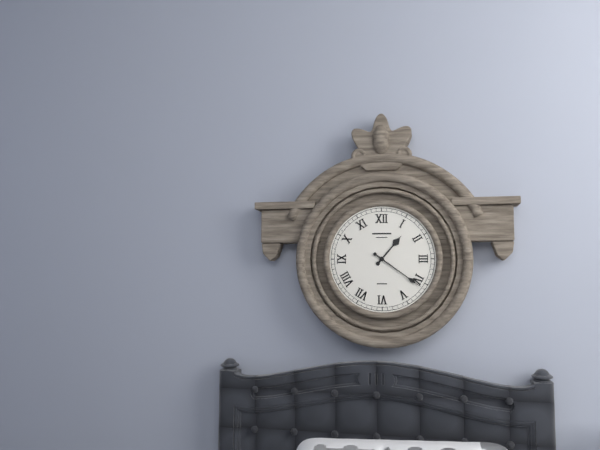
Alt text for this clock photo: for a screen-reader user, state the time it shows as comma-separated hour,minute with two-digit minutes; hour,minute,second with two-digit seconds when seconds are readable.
1,21
